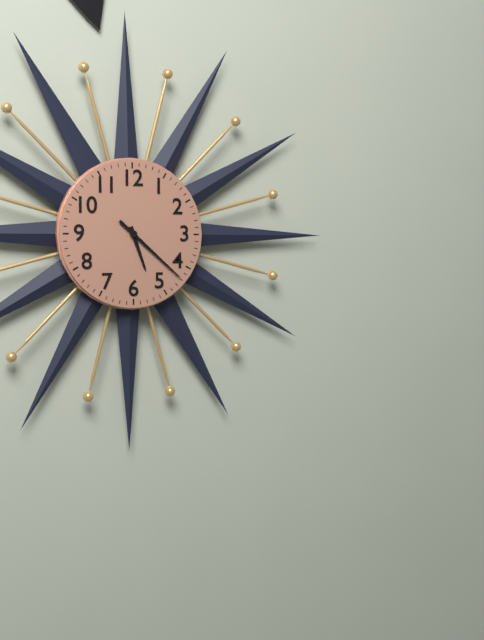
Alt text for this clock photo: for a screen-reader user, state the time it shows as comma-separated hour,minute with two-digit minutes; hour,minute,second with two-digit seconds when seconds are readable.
5,22
